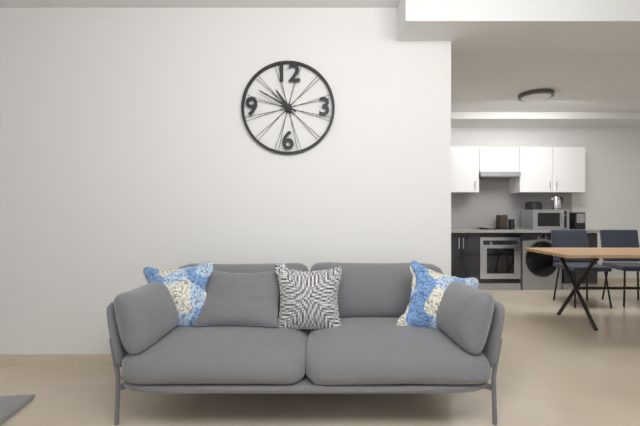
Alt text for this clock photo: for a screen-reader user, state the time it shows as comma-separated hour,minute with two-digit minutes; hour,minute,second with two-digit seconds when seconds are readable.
10,50
